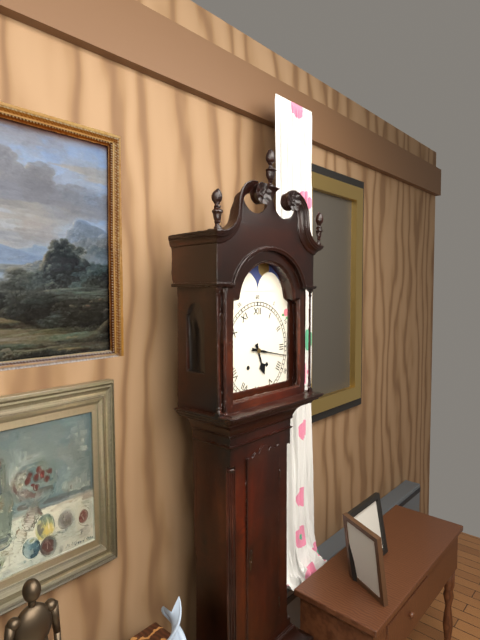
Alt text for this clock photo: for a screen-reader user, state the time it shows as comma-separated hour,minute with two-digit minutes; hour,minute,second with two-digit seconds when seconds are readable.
5,17
